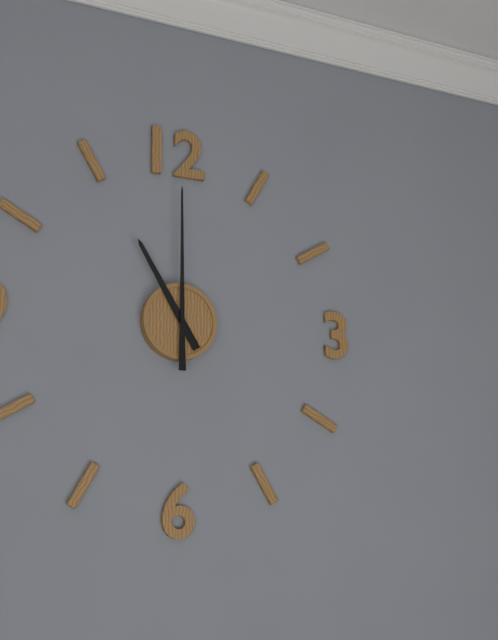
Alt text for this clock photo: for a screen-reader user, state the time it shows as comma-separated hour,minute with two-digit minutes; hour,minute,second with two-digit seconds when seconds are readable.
11,00
